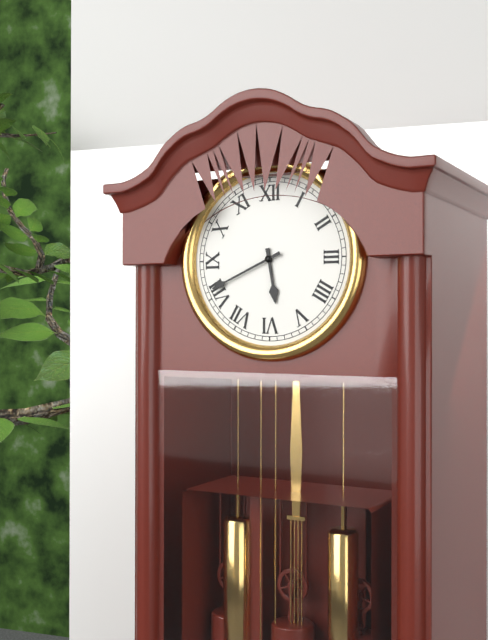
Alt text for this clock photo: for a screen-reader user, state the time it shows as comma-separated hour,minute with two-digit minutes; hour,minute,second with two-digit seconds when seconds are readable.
5,41
